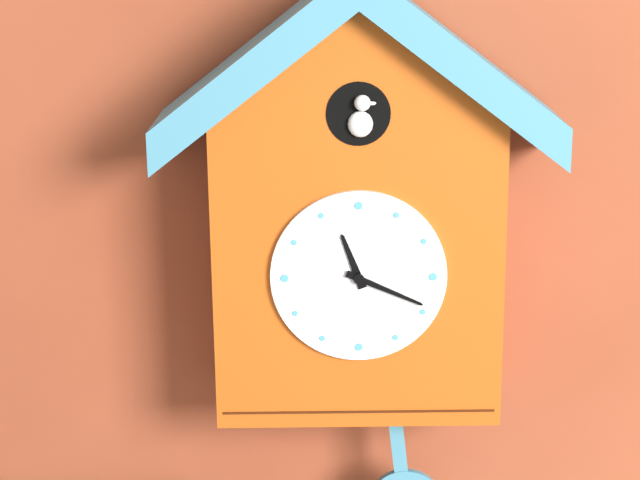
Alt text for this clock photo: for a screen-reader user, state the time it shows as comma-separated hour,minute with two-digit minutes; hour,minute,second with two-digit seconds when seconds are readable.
11,19
